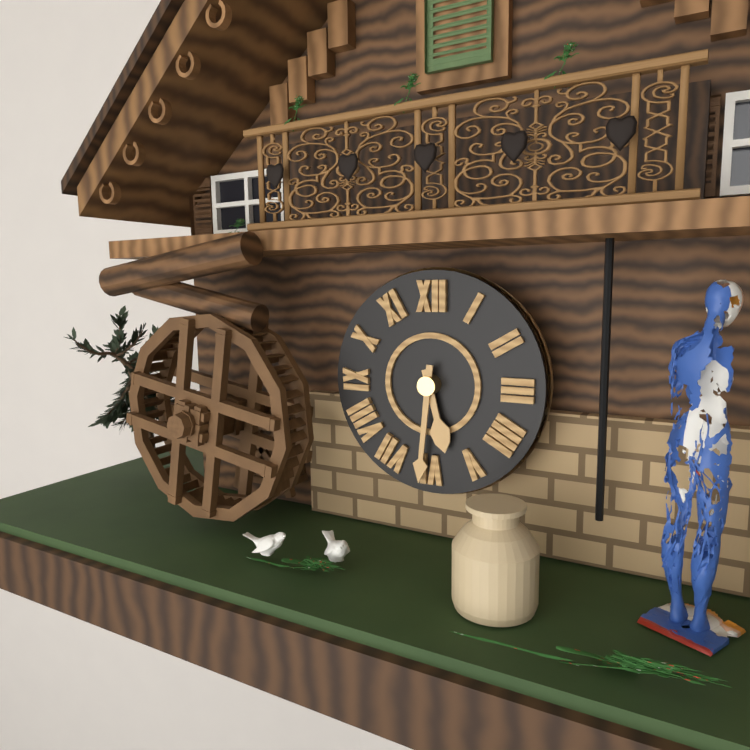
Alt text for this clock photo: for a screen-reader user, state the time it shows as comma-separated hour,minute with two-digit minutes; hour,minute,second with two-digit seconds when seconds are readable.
5,31
